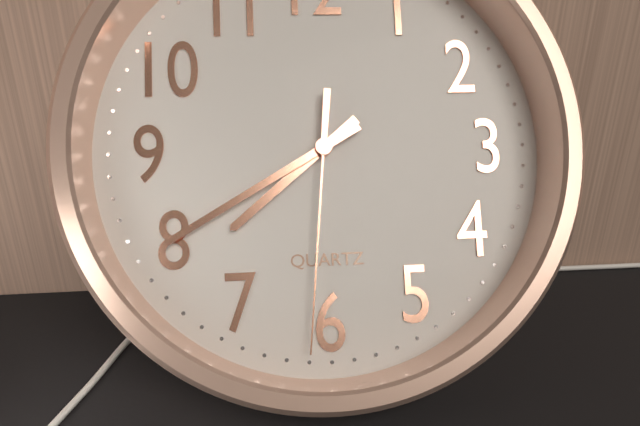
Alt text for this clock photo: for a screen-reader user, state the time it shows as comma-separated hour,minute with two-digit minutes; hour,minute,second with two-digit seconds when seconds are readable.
7,40,31
